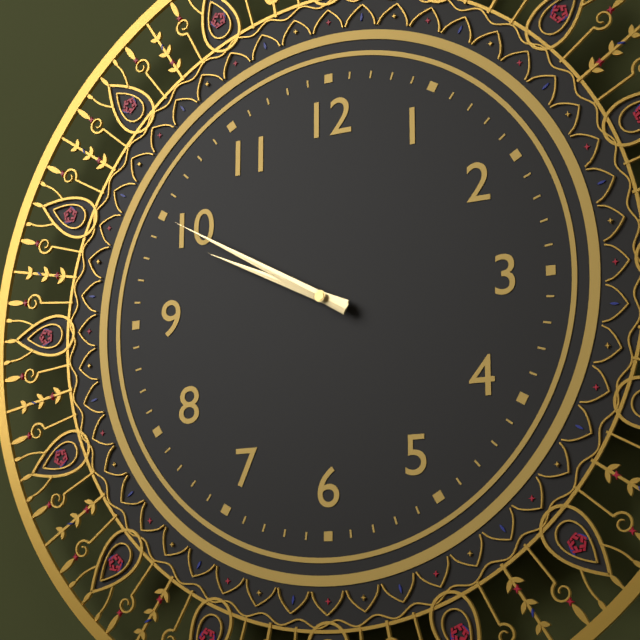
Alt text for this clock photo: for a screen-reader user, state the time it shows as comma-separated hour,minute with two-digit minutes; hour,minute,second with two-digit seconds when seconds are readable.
9,50
